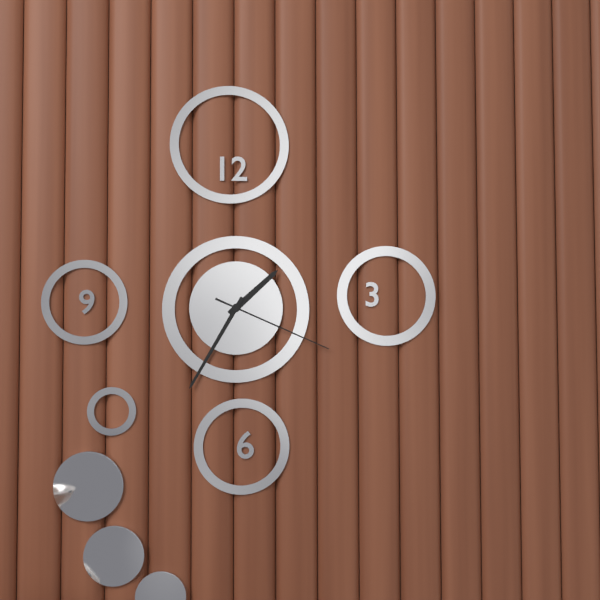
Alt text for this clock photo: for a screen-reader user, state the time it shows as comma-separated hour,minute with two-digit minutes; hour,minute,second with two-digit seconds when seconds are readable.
1,35,19
